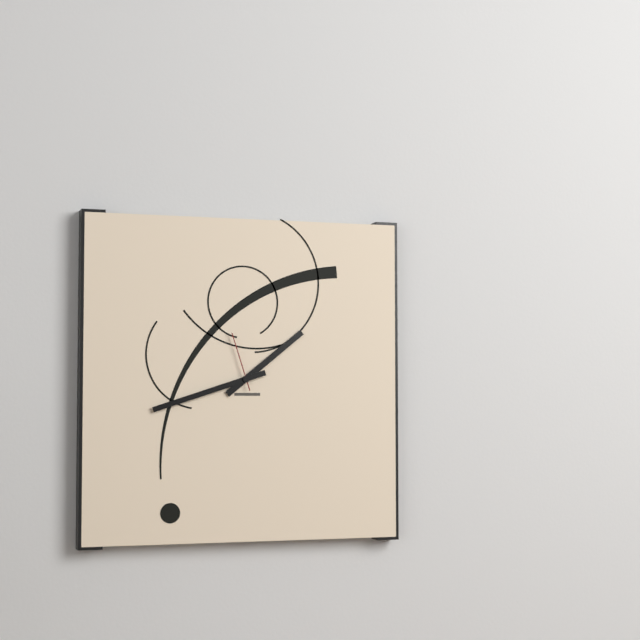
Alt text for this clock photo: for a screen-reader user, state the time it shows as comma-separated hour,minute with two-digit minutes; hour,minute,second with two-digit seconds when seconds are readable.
1,42,57
